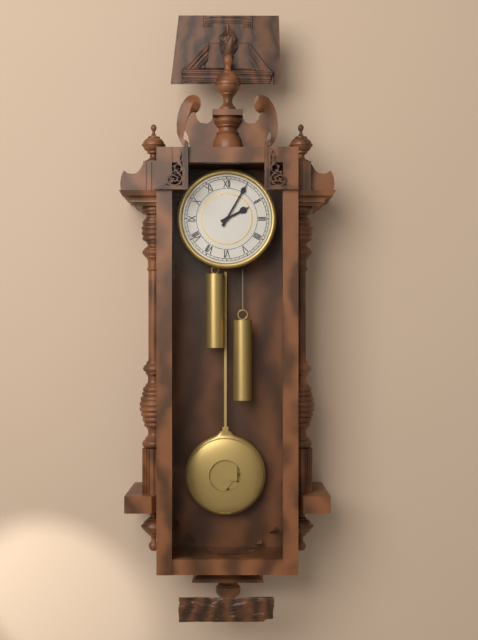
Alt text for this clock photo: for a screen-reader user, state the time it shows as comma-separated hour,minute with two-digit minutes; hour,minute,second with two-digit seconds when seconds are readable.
2,05
